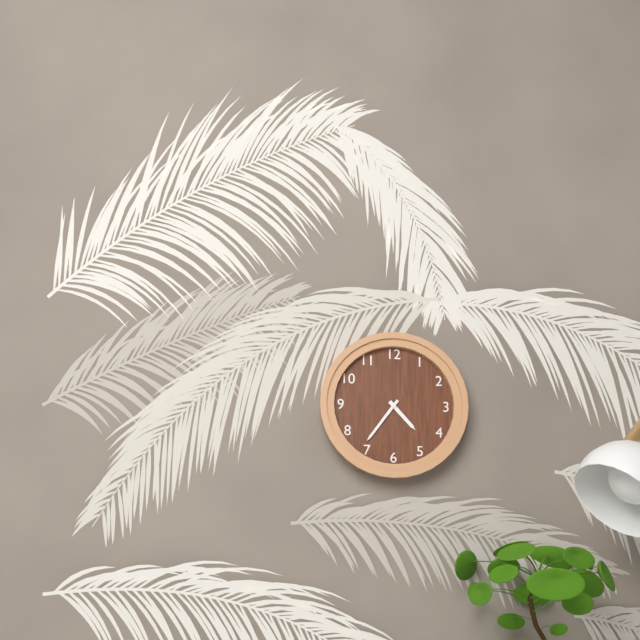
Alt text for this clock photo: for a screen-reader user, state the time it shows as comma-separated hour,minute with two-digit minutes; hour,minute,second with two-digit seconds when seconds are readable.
4,36
